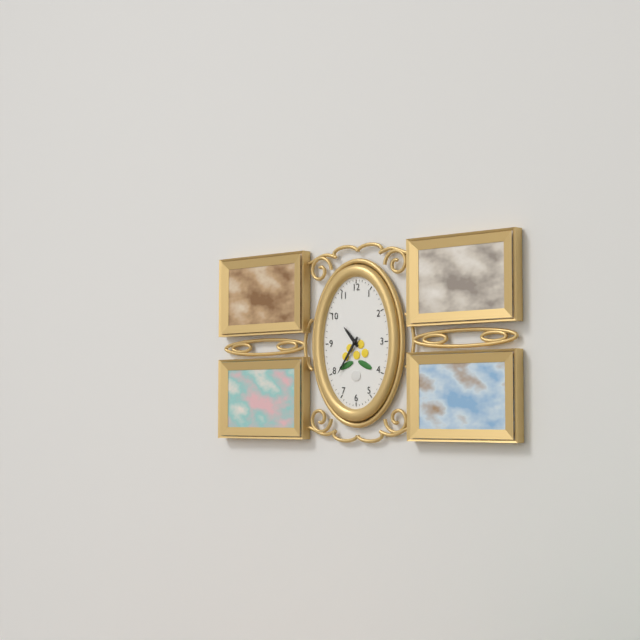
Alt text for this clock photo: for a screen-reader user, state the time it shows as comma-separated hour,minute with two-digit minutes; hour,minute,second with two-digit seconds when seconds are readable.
10,36
